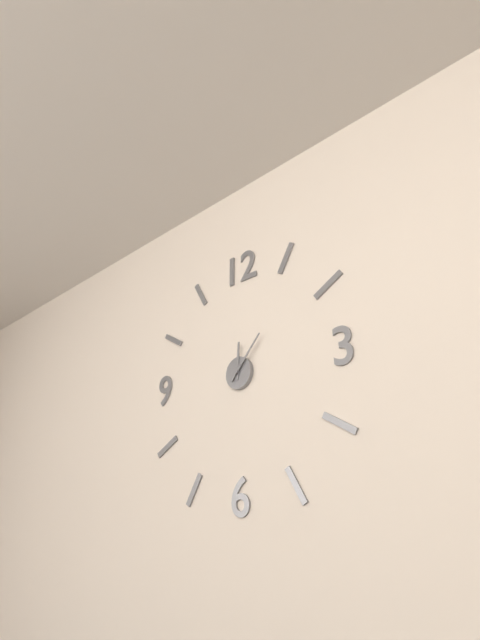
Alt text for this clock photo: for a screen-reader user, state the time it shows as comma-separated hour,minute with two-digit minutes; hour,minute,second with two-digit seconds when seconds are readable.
12,07
